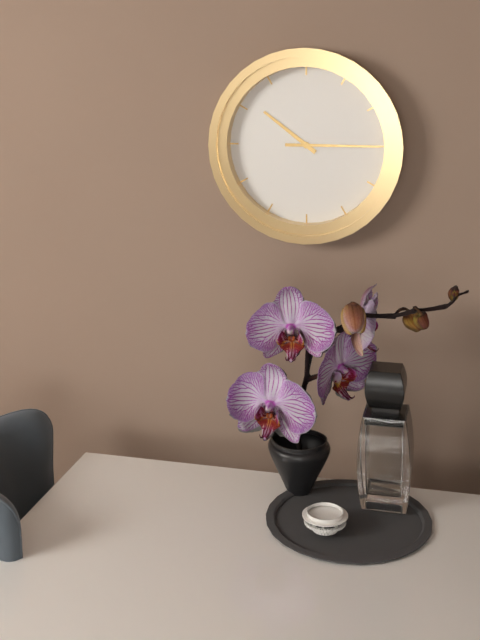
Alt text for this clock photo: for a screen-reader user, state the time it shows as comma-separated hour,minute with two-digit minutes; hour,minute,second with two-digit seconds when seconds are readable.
10,15
